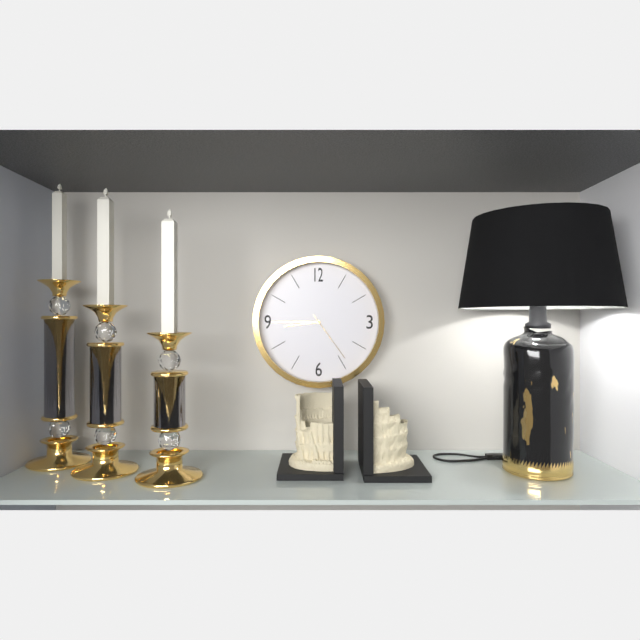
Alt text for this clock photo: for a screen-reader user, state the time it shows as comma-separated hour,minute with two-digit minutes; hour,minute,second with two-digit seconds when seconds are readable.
8,45,24
